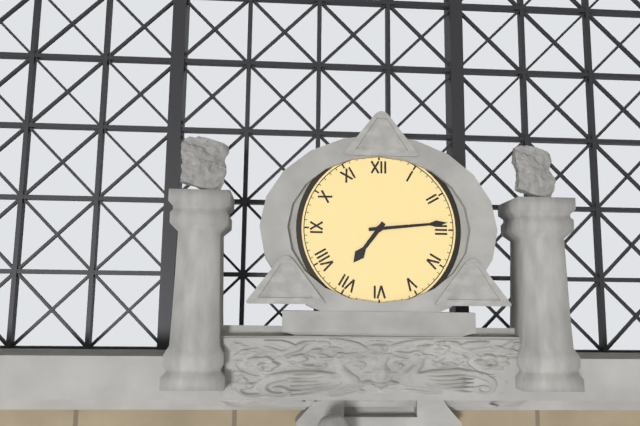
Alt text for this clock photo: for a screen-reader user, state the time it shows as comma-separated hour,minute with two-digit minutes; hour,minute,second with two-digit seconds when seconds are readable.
7,14
